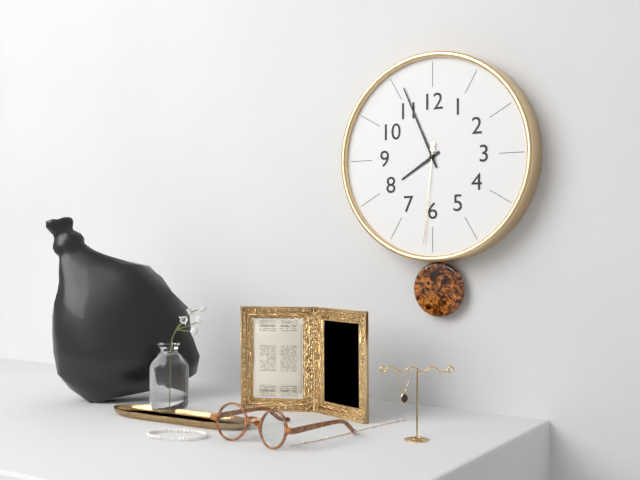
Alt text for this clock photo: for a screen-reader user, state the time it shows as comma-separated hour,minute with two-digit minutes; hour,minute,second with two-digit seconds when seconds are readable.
7,56,31
